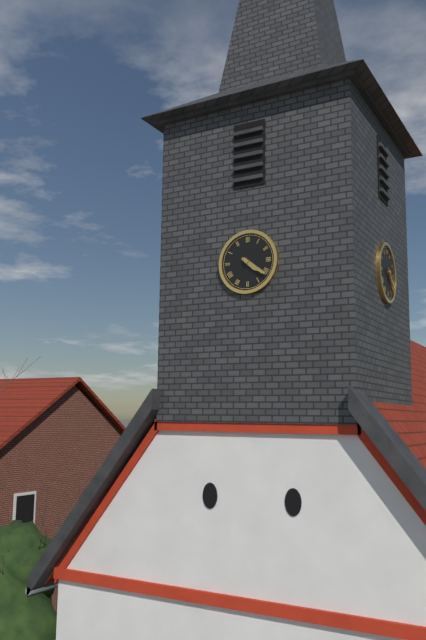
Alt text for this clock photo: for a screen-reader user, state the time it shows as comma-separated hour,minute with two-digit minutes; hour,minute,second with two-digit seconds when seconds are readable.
4,21
